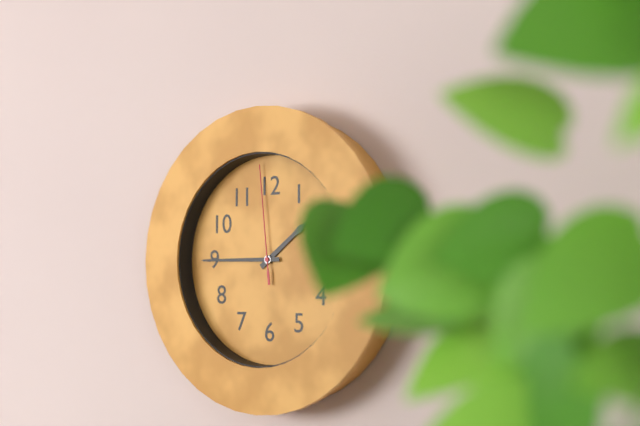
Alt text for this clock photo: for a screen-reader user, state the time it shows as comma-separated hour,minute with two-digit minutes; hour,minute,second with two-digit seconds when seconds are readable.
1,45,59
